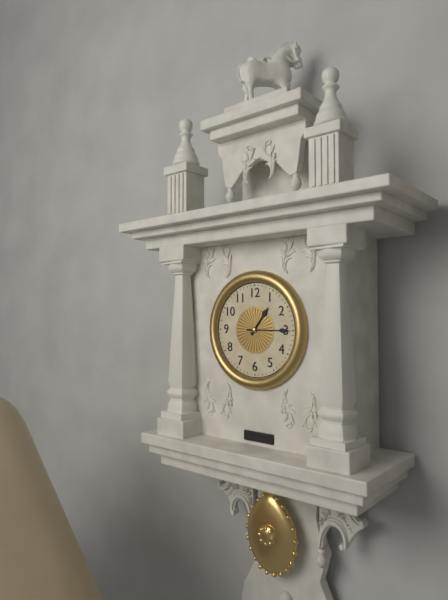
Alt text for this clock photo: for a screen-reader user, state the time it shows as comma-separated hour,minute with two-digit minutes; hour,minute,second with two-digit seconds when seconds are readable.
1,15
